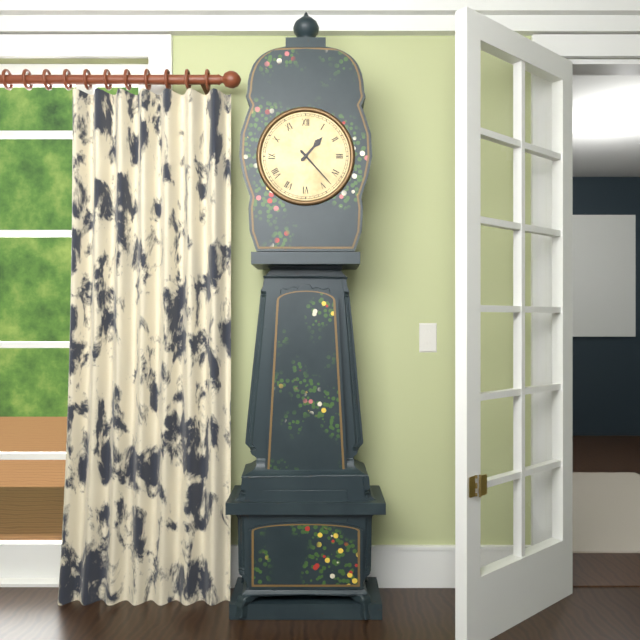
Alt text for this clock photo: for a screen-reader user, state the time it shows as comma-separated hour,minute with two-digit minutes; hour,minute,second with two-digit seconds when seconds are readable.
1,23
